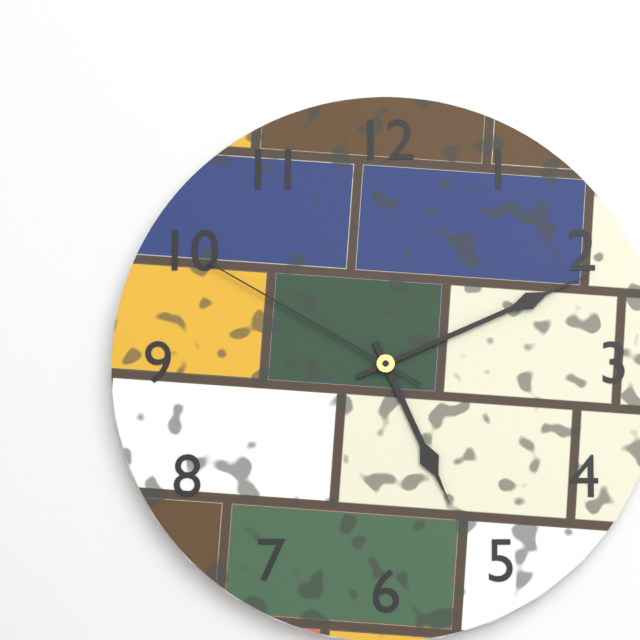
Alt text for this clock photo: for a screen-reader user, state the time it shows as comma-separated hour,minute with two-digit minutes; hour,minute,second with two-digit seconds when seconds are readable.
5,11,50
